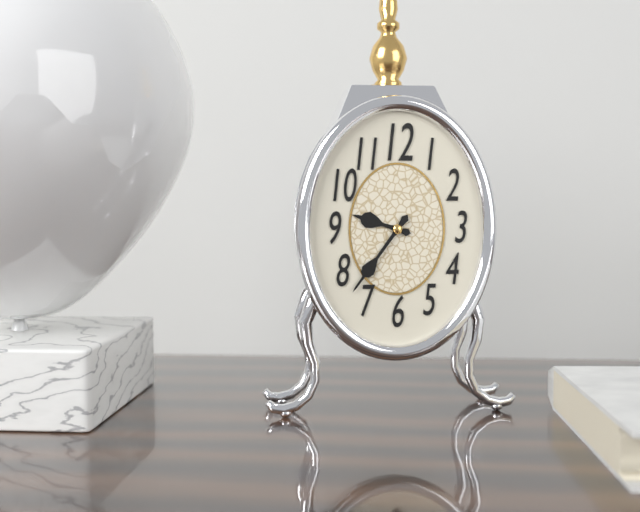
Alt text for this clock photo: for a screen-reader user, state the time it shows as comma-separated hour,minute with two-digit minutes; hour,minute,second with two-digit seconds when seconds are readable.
9,36
